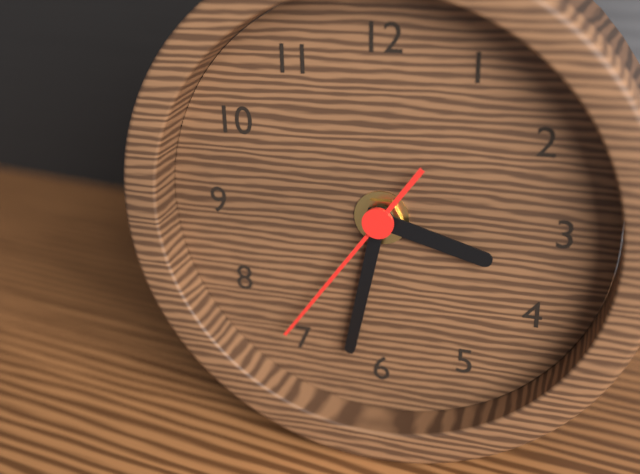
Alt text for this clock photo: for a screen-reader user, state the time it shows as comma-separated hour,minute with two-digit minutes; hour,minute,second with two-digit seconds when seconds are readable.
3,32,36
